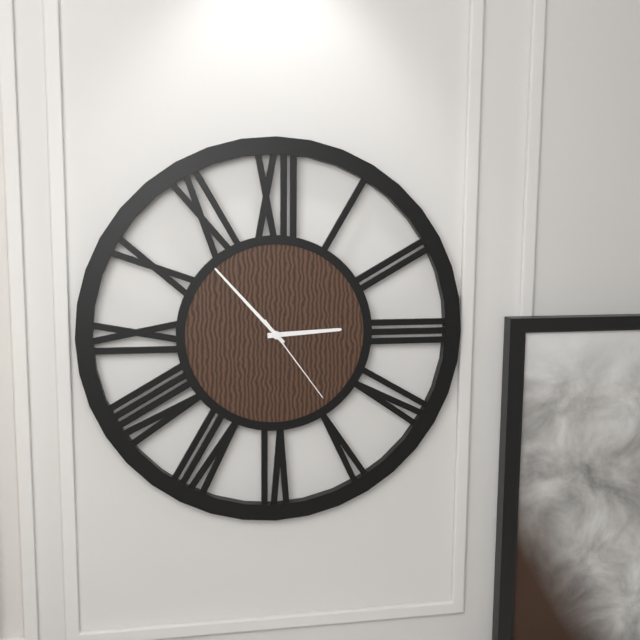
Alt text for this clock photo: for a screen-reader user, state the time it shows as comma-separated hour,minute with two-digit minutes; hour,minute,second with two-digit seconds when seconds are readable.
2,53,24
